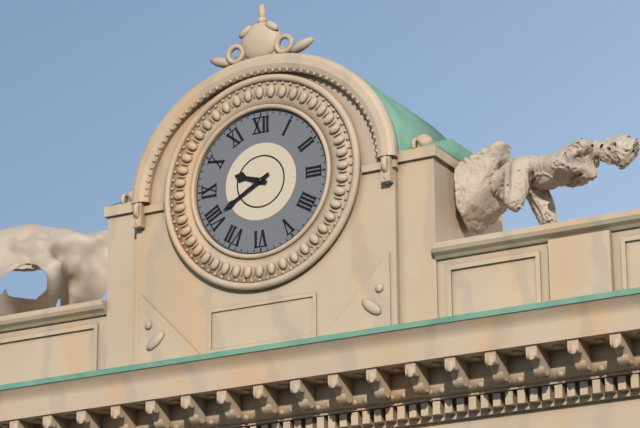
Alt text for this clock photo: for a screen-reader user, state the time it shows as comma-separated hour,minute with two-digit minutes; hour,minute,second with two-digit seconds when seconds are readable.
9,40
